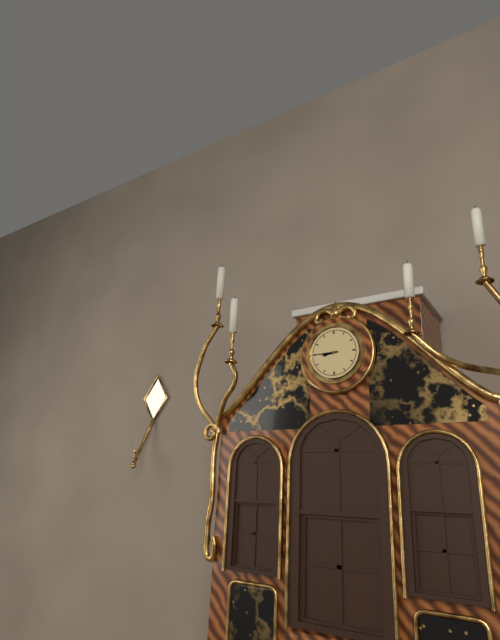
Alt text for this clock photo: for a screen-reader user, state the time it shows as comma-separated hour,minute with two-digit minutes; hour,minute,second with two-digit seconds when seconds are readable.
8,45
